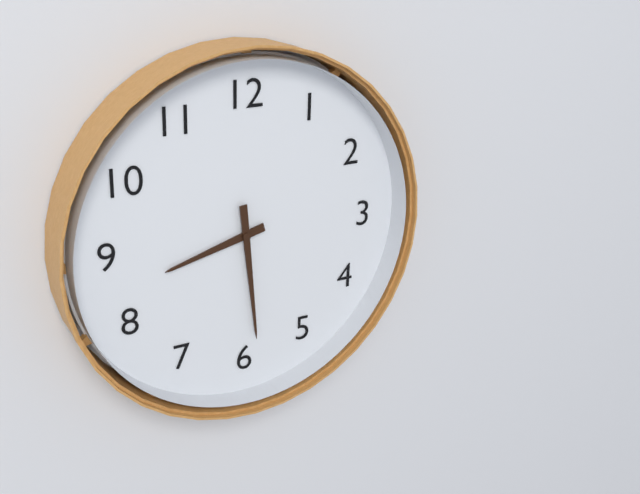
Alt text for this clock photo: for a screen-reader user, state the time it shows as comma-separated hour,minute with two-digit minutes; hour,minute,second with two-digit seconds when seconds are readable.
8,29
